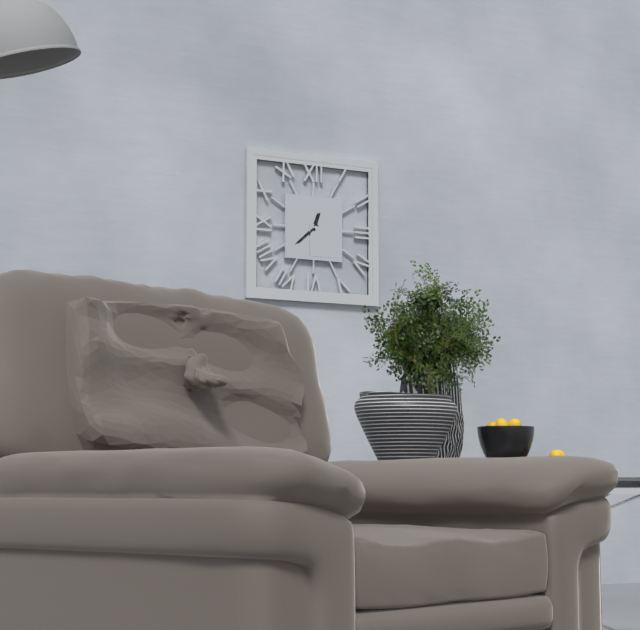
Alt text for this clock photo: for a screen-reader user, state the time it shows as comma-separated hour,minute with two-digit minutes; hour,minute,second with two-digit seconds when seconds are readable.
12,38
